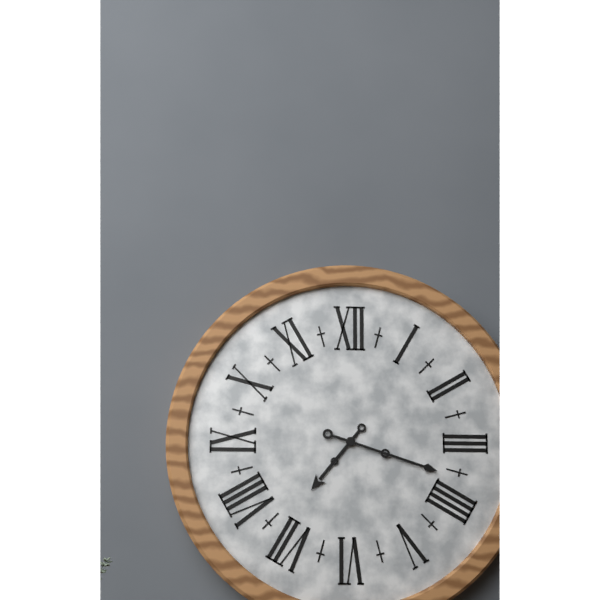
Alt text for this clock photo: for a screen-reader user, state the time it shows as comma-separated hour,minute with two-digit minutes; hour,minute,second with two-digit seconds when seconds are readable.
7,18
